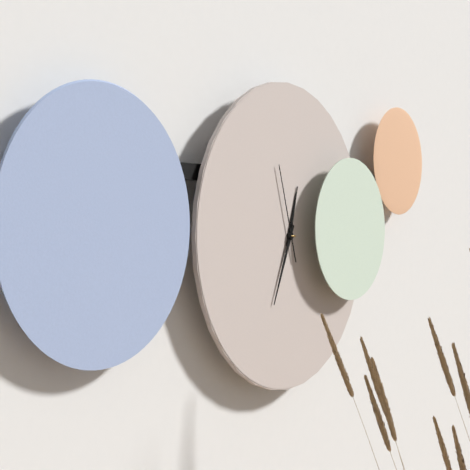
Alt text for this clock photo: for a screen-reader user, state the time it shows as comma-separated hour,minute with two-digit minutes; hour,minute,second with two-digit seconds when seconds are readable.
12,34,57
